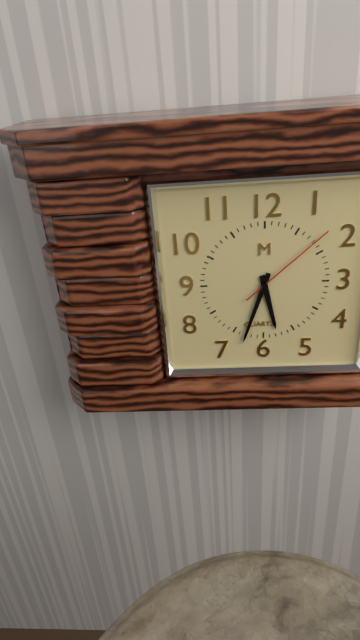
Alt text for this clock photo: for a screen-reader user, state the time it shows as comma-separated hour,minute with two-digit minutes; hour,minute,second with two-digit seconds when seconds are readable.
5,33,08
